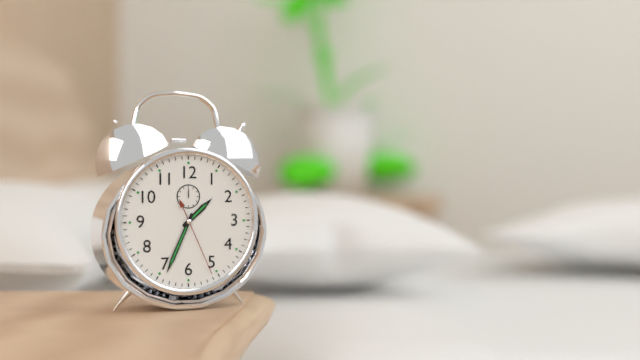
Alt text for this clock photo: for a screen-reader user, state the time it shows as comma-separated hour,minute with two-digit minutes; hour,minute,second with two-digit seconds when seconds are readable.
1,34,26
